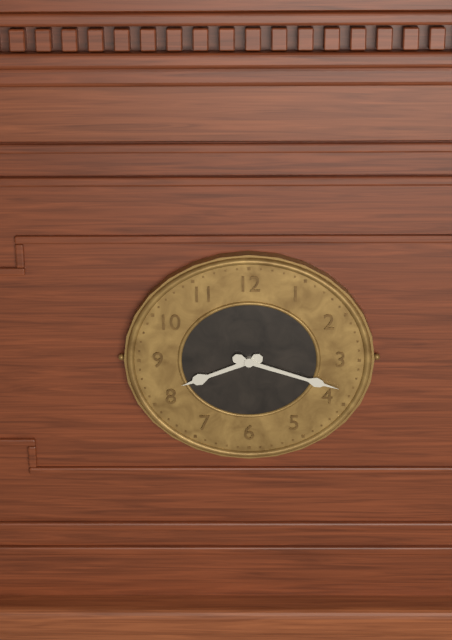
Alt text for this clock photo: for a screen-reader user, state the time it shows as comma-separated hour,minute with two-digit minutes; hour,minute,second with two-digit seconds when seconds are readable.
8,18
